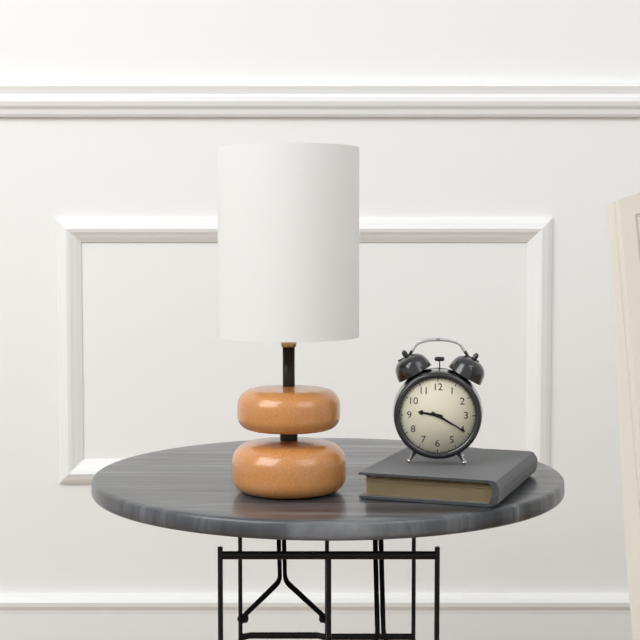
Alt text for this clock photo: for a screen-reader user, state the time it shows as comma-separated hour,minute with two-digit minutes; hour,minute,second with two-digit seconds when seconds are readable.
9,20
